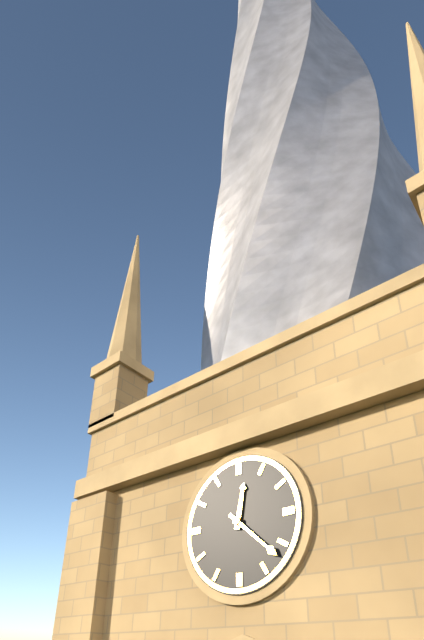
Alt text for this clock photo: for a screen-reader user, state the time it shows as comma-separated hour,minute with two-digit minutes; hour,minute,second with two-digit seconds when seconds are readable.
12,22
